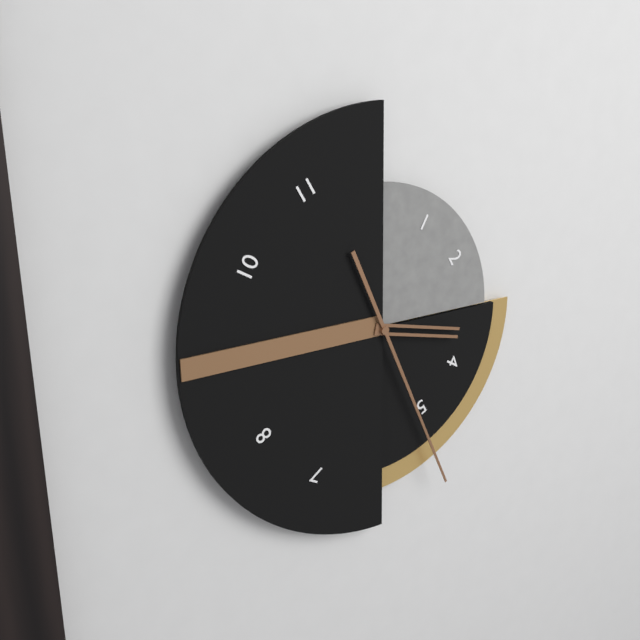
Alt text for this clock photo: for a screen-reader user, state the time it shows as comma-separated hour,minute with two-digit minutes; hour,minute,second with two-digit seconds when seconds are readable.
3,26
